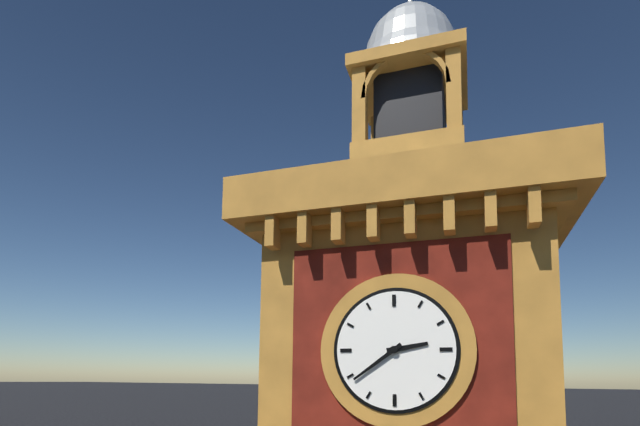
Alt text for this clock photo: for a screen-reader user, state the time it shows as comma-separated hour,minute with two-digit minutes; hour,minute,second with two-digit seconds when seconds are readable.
2,39
